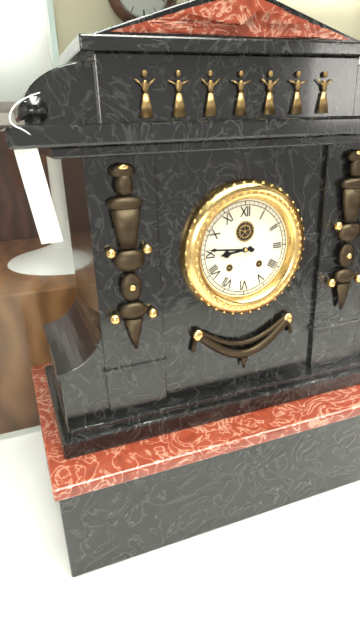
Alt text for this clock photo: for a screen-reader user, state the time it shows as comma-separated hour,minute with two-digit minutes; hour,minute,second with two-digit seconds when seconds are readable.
8,46
